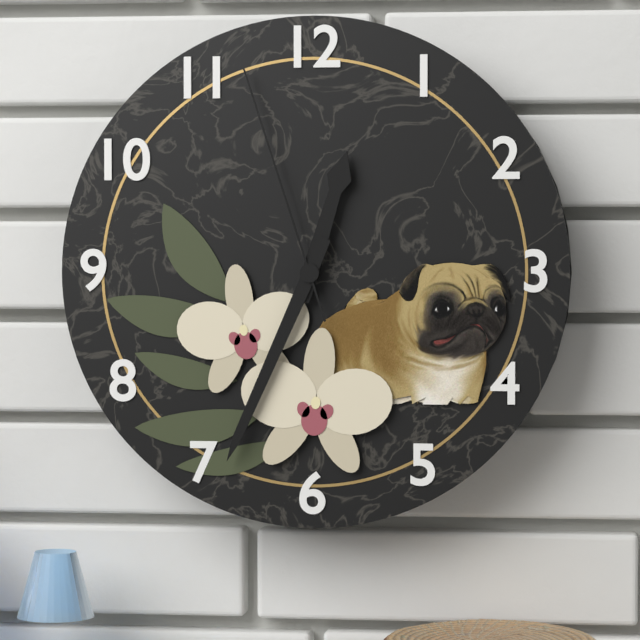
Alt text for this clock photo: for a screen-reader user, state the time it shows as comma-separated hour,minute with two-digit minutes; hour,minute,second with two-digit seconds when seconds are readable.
12,34,57
